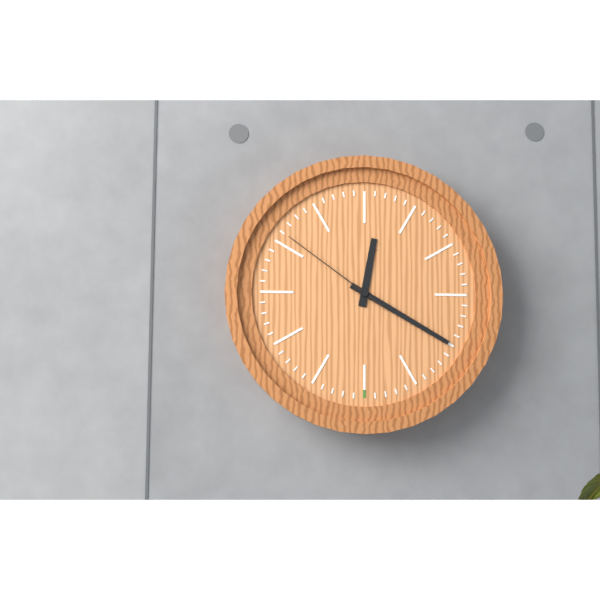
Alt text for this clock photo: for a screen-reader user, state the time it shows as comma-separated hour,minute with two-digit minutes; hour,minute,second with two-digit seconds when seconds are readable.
12,20,51
